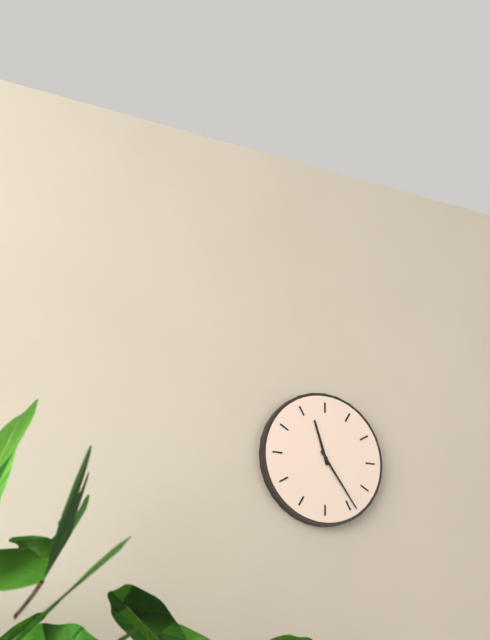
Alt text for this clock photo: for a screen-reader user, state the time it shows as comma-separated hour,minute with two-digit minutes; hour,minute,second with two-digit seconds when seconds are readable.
11,24
